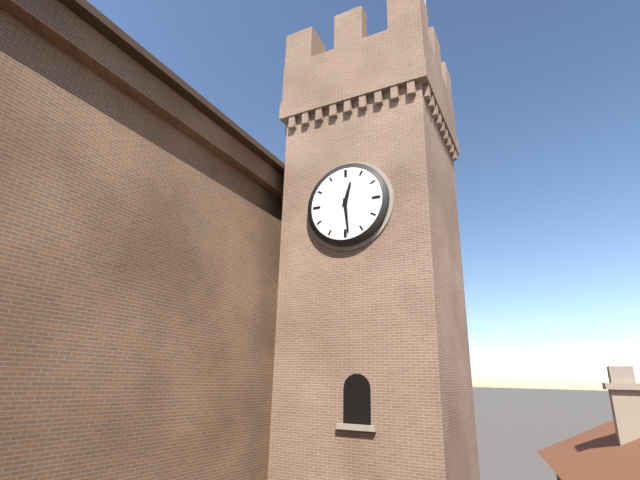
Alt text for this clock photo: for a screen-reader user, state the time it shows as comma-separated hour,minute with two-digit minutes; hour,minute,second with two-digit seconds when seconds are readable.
12,29
